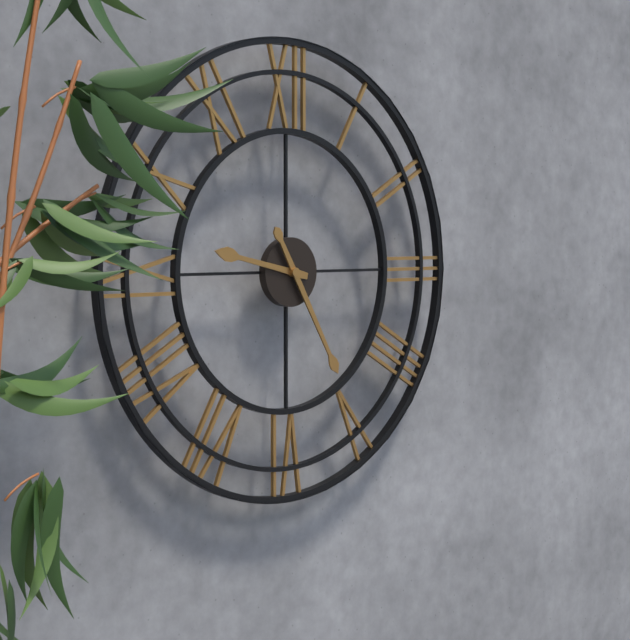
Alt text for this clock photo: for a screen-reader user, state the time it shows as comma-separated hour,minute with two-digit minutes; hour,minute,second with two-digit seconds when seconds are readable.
9,25
